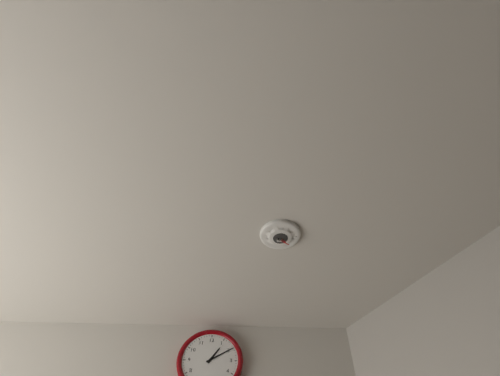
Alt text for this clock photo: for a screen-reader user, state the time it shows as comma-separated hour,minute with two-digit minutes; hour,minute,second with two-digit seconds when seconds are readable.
1,10
